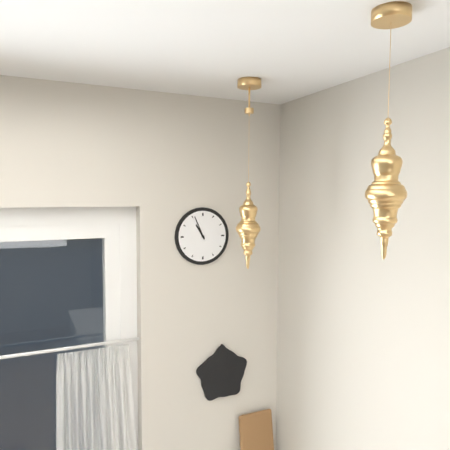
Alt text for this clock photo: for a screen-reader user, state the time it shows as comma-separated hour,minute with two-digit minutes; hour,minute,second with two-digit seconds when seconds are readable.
10,56
